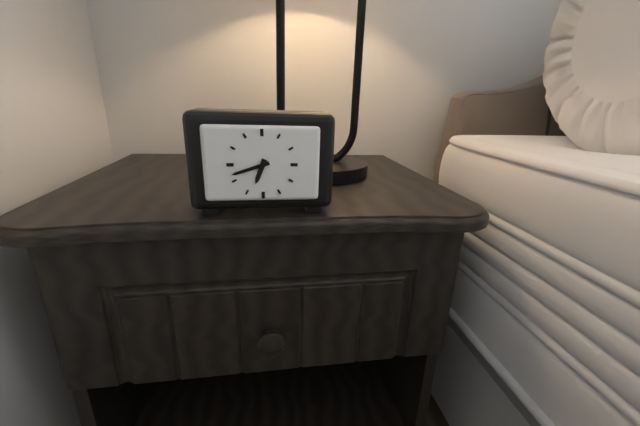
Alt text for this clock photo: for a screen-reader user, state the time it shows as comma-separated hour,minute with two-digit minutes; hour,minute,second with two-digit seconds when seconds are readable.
6,42
